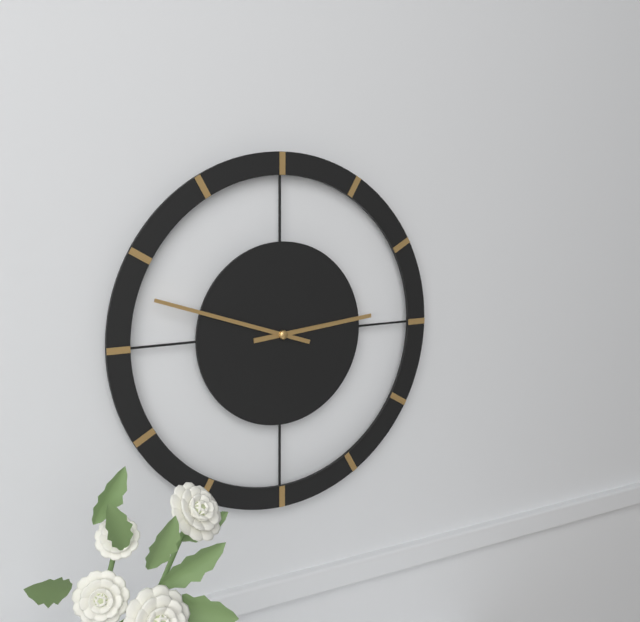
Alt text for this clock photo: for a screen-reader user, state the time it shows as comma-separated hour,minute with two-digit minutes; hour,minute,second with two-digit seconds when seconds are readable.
2,48
